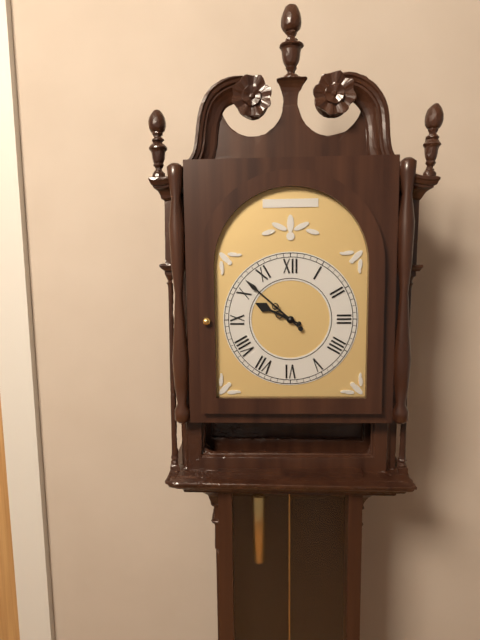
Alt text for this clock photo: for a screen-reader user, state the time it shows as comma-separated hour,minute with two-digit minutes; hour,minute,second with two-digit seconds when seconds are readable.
9,52
